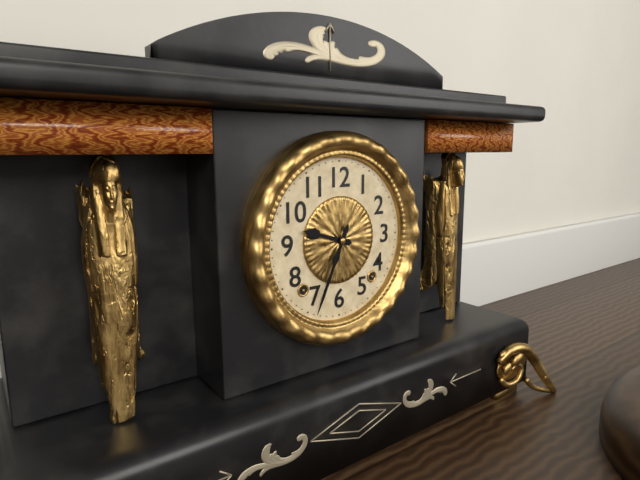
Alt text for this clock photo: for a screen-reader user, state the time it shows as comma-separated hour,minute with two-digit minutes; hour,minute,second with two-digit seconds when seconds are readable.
9,34
